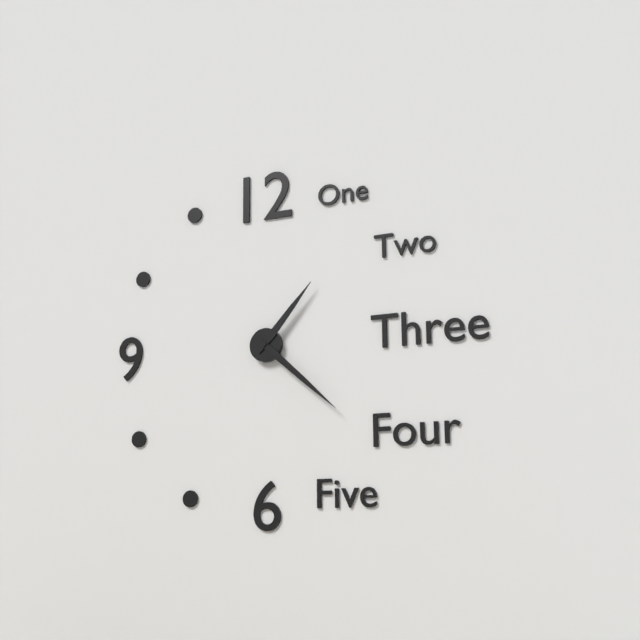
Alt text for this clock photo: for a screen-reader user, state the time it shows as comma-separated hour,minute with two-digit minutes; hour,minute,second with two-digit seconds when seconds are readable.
1,22
